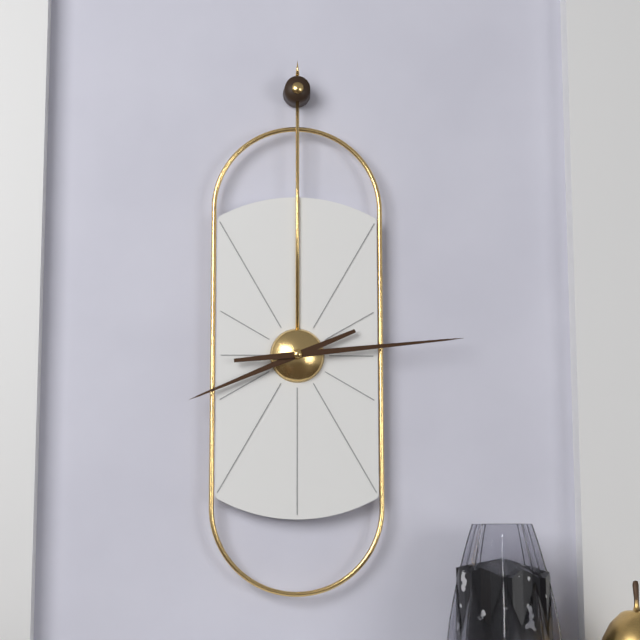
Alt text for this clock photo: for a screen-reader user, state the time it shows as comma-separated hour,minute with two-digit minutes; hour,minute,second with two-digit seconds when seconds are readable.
8,14
